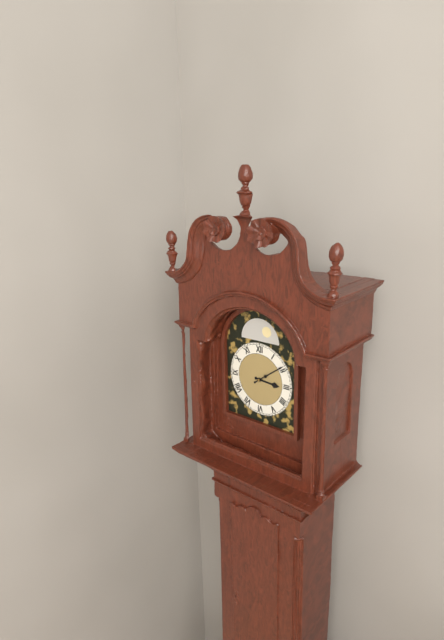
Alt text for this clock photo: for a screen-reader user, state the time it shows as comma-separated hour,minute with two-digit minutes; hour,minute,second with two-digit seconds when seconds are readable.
3,09
